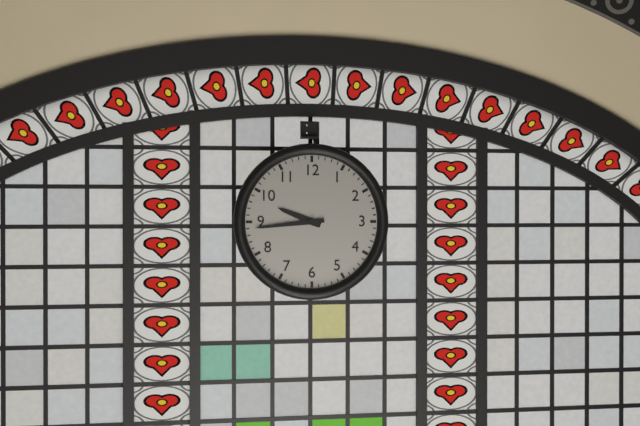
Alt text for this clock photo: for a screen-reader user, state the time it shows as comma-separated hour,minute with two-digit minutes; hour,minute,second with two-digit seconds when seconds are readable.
9,44
